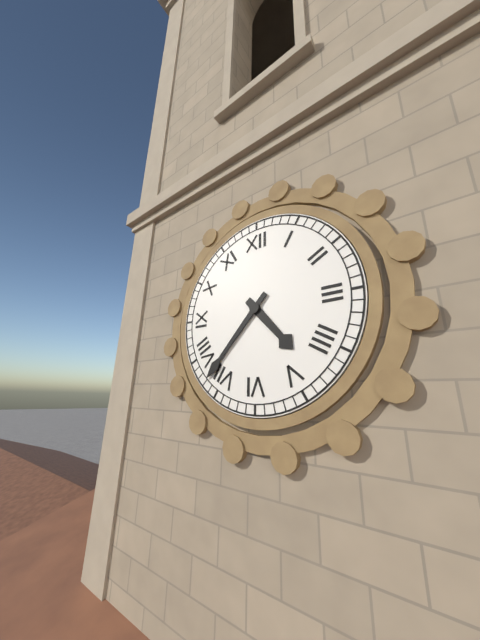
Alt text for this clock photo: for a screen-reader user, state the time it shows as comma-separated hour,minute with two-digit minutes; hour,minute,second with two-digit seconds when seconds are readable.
4,37
